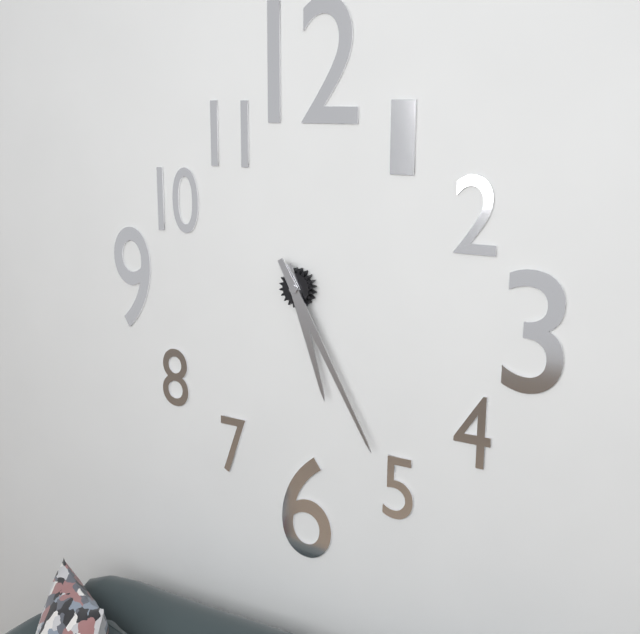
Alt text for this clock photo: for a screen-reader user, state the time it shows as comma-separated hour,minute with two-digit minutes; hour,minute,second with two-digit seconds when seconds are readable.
5,25
